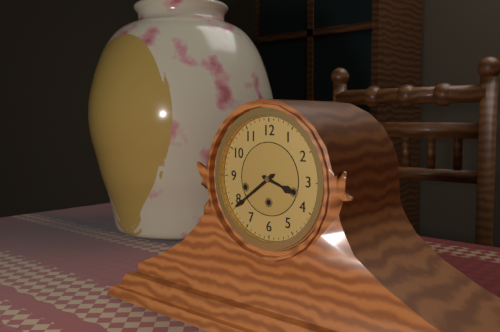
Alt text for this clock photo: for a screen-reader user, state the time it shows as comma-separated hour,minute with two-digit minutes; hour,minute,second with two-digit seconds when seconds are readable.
3,39
